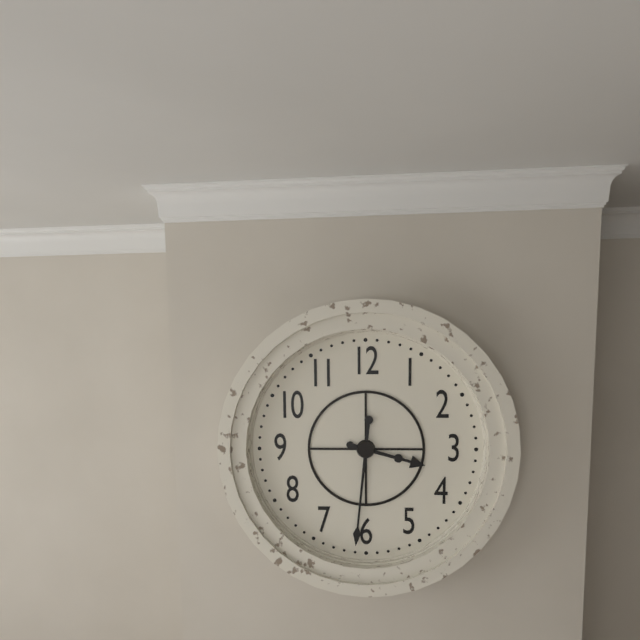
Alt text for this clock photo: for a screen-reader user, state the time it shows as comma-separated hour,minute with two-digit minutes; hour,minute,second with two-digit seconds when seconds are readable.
3,31
